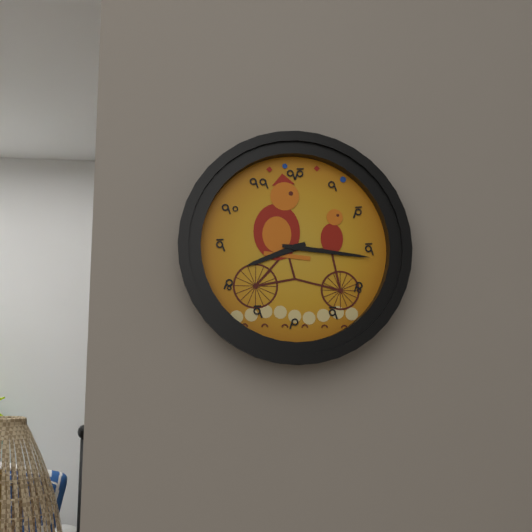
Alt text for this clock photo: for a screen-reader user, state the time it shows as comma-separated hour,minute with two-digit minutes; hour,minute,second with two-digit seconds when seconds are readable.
8,16
